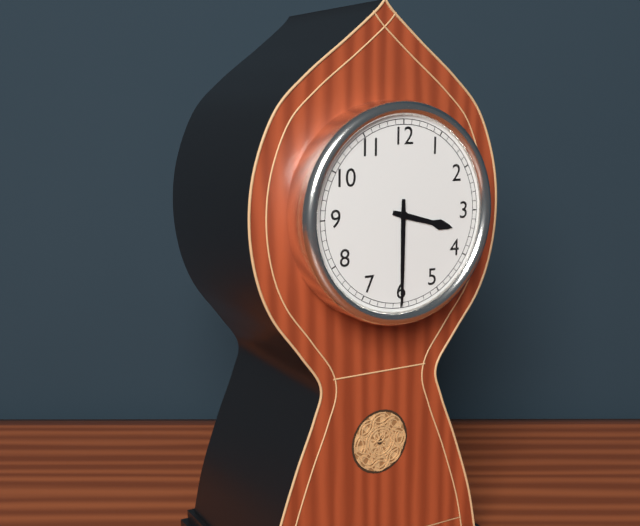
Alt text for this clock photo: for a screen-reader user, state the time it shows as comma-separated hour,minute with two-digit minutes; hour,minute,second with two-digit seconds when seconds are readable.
3,30
